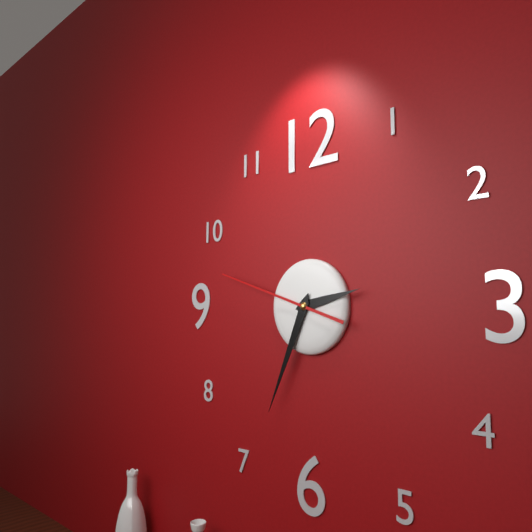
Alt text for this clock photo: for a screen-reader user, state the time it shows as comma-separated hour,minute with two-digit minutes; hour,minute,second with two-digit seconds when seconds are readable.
2,34,48
